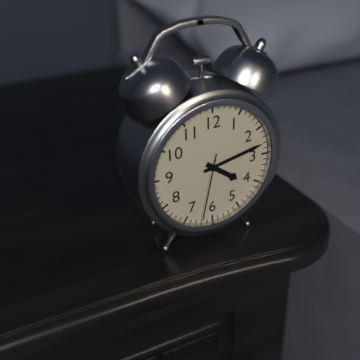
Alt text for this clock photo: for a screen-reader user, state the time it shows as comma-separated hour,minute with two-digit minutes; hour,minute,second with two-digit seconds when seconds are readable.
4,13,32
